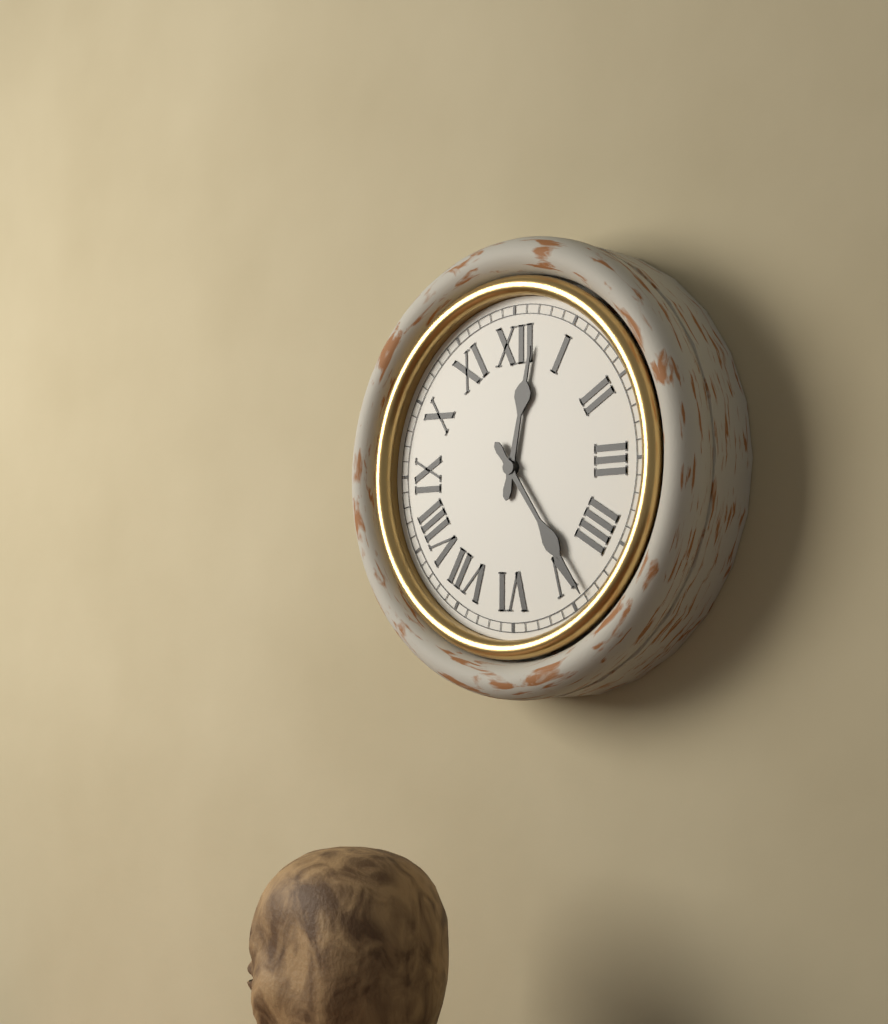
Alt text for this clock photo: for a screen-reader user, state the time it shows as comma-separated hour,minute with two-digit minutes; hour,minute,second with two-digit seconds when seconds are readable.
12,24
